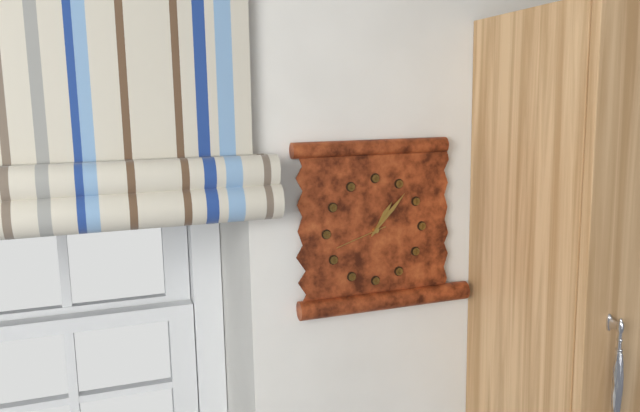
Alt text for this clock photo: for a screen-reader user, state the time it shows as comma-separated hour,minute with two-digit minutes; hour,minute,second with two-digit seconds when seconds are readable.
1,07,42
